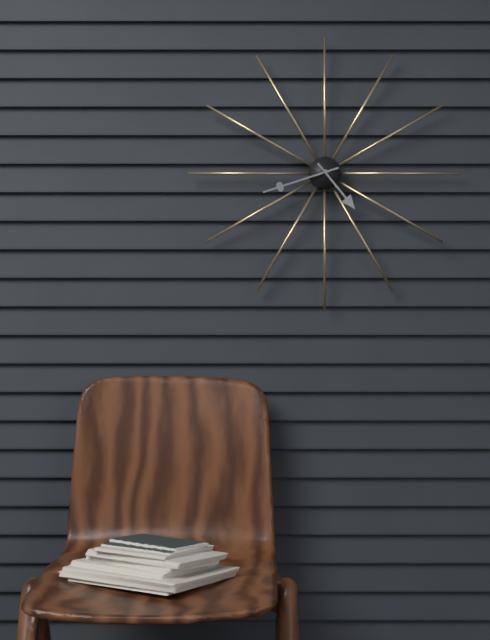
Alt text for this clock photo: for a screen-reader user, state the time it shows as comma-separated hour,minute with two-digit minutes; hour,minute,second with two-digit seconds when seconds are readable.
4,42
